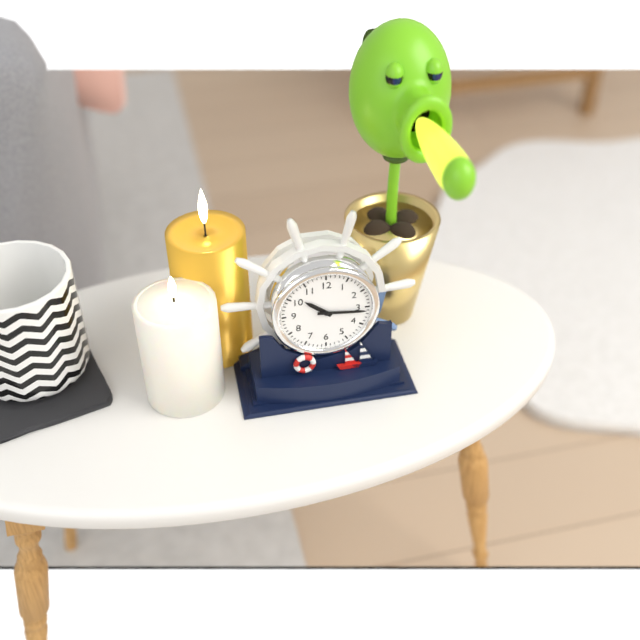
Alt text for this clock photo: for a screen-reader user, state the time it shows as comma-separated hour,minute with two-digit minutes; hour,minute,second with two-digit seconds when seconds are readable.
10,16
